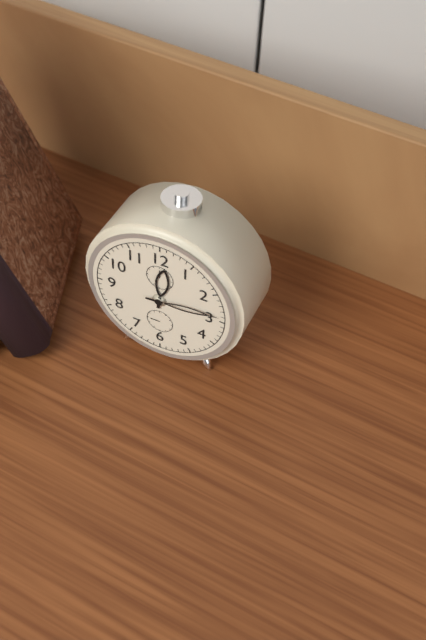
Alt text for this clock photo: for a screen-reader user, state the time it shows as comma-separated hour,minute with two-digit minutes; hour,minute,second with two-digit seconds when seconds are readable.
12,14
